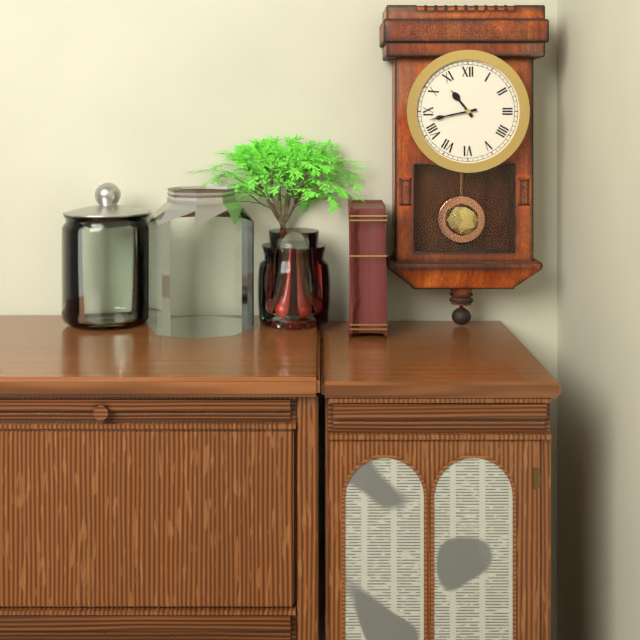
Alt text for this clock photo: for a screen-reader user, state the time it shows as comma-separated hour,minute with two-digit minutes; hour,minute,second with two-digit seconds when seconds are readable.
10,43
